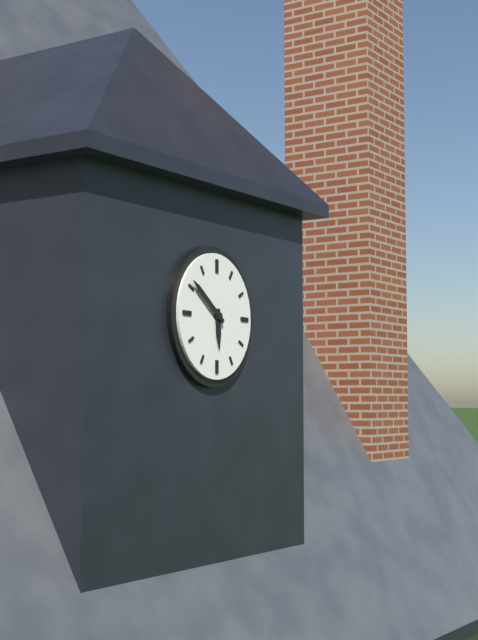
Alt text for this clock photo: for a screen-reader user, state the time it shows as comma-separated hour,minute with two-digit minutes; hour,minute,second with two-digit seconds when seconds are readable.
5,51
